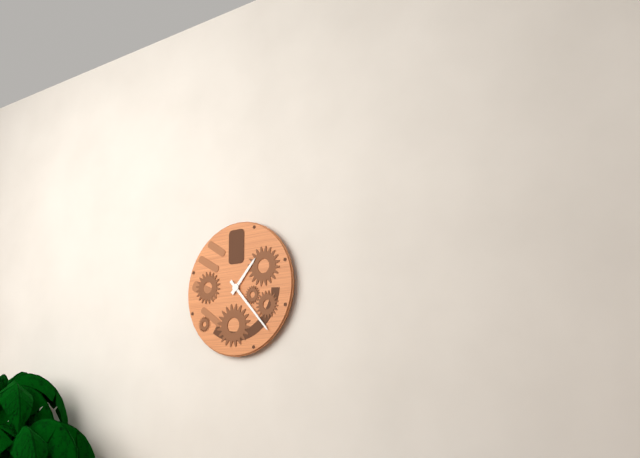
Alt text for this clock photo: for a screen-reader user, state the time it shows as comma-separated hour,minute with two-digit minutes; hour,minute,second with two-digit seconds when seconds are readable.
1,23
